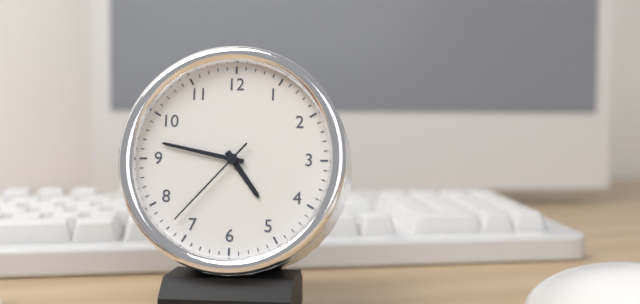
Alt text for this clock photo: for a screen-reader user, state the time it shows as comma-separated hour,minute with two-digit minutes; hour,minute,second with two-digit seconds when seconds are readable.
4,47,37
